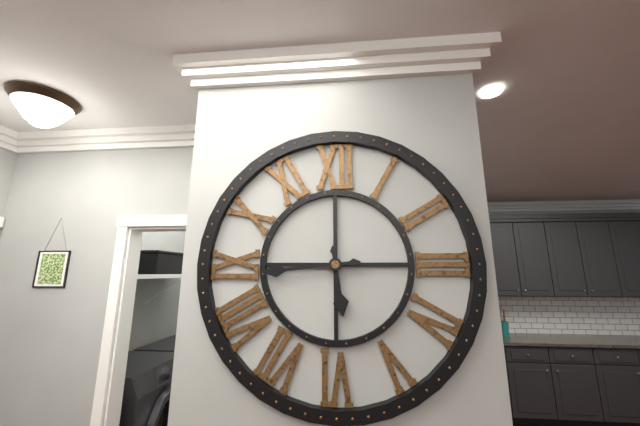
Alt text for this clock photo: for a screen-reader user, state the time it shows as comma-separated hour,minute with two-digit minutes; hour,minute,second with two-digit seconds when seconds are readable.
5,44
